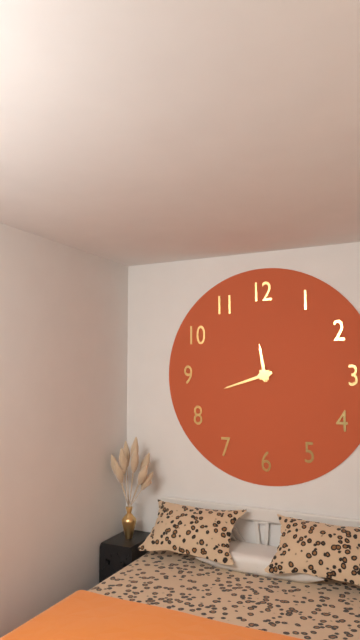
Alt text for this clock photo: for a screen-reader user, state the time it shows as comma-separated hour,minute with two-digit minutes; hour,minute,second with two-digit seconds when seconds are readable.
11,42
